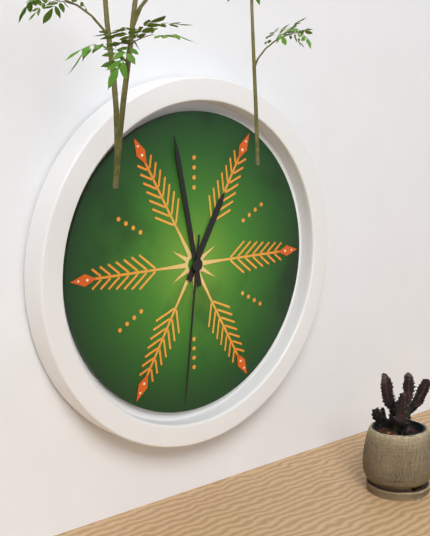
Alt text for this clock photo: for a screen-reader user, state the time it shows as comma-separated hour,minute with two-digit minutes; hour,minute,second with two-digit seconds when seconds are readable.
12,58,31
